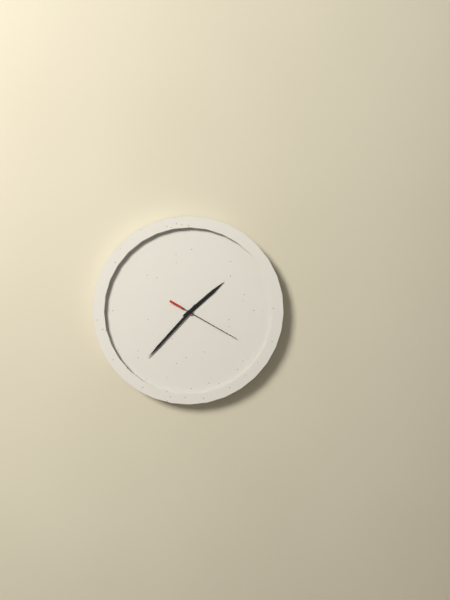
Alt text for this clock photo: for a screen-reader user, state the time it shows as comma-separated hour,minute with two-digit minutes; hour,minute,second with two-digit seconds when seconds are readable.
1,37,20
